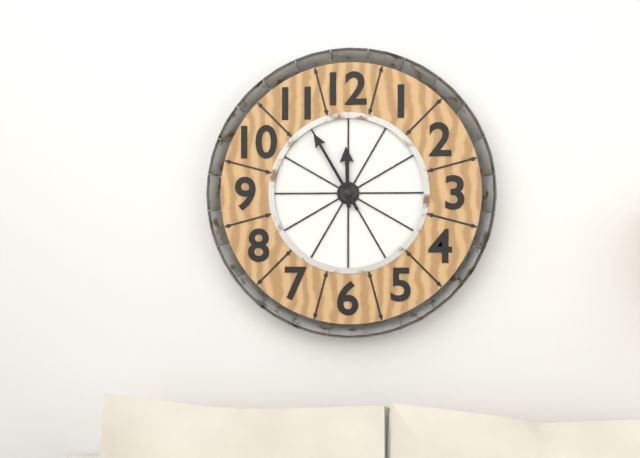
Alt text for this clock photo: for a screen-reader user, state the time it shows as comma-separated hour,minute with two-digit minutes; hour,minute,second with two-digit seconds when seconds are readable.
11,55
